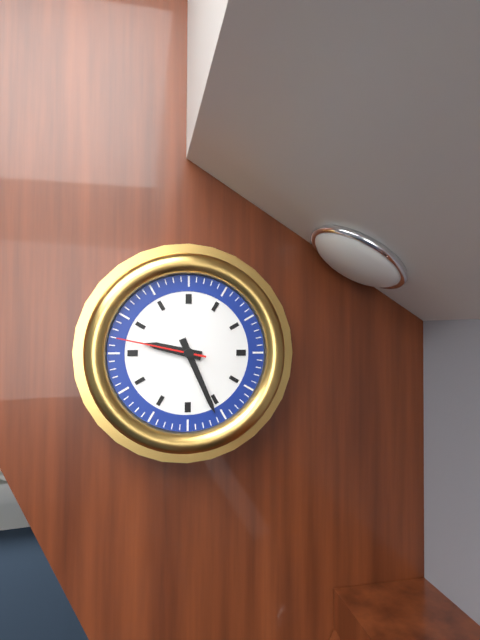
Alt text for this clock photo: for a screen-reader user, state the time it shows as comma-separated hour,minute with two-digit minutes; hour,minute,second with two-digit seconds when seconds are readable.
9,26,47
